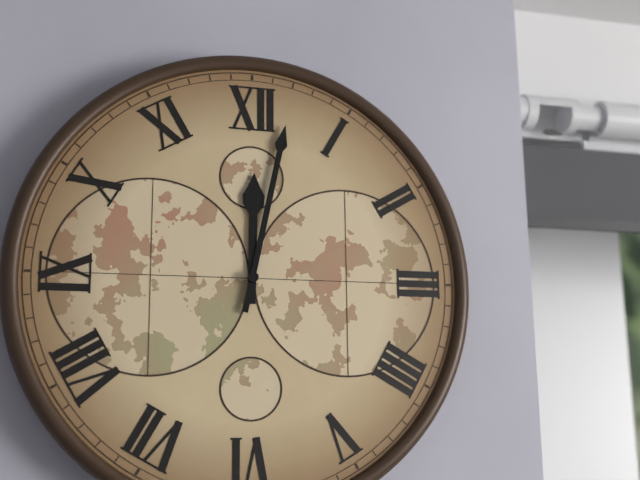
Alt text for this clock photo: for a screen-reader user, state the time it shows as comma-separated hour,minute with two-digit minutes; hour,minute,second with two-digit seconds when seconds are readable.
12,02
